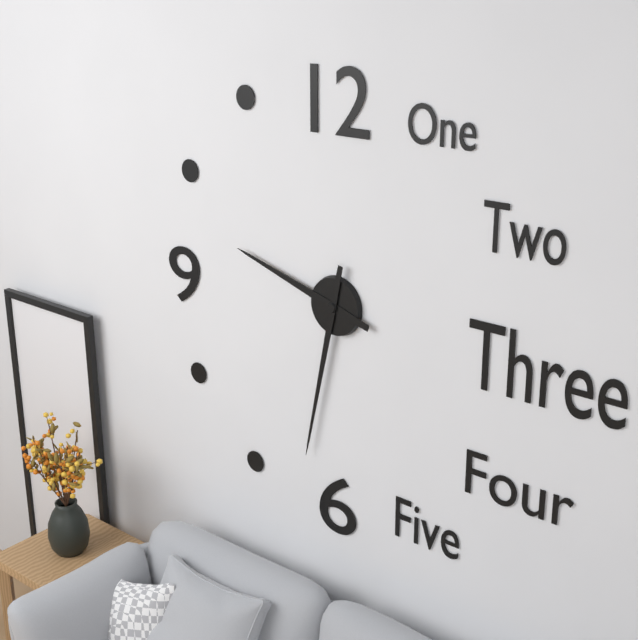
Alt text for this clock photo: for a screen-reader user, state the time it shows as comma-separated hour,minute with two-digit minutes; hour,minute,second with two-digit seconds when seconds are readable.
9,32
